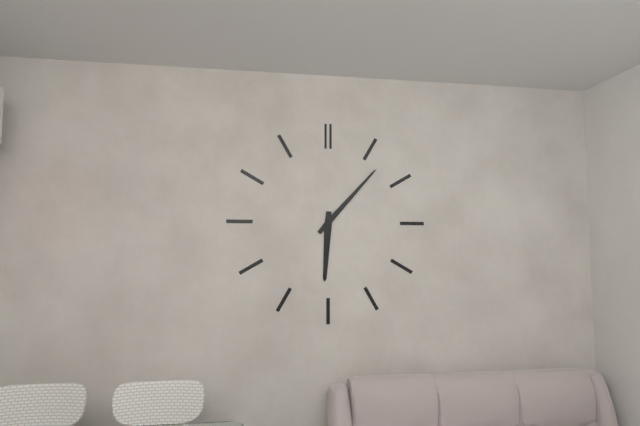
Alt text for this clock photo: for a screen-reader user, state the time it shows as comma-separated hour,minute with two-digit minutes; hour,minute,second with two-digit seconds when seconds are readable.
6,07
